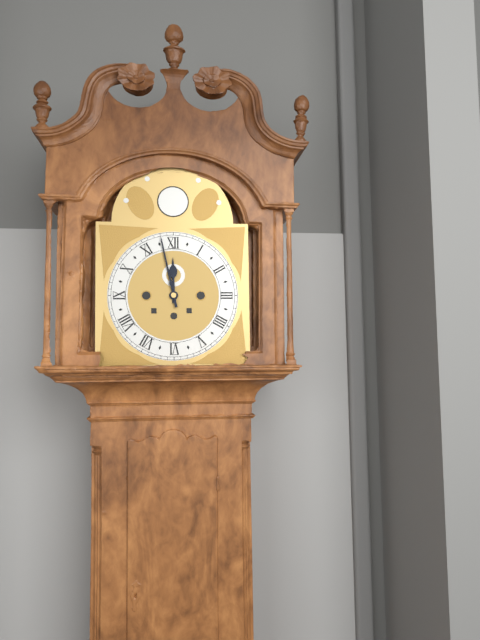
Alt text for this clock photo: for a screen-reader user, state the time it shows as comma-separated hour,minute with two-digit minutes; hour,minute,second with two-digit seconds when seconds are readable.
11,58
